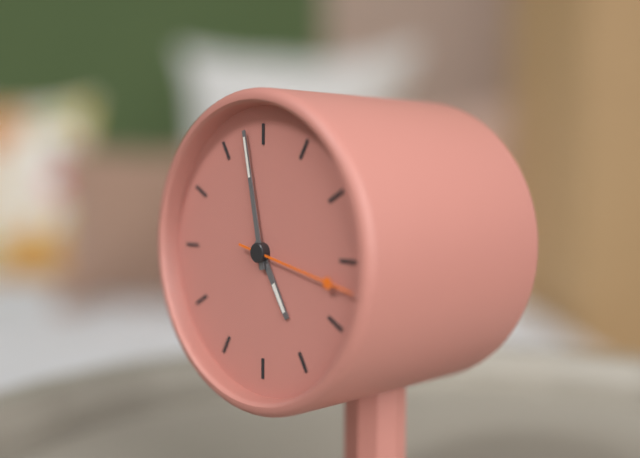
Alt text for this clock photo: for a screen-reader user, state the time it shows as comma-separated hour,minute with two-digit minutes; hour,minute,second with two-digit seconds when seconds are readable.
4,58,17
